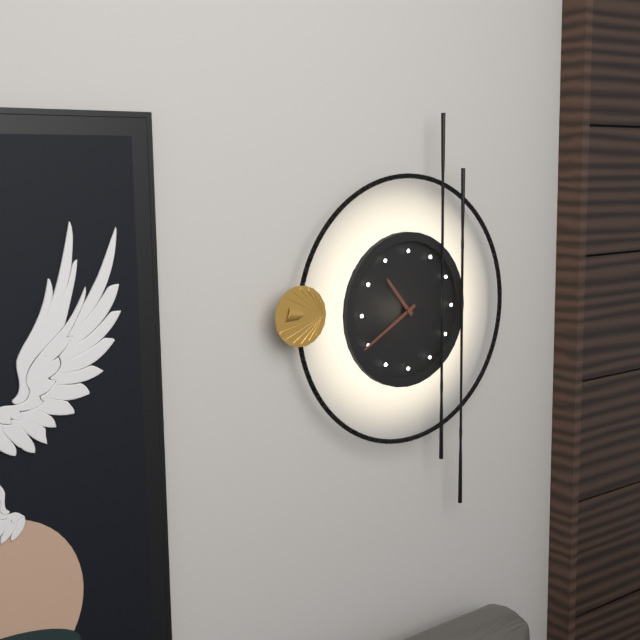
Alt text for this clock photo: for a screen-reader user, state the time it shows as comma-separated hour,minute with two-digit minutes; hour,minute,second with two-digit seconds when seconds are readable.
10,40
